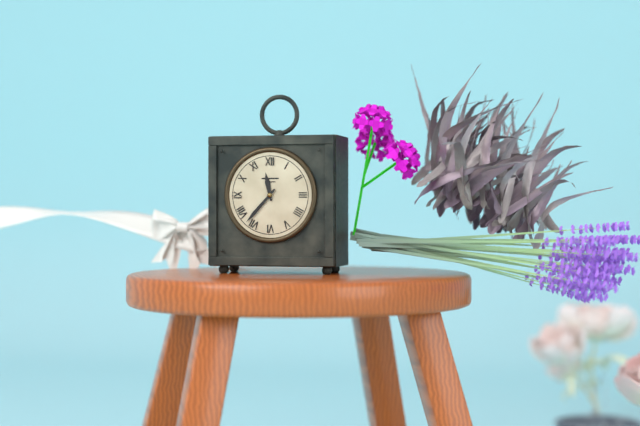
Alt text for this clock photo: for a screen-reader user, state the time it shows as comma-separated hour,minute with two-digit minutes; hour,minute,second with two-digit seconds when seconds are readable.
11,37
